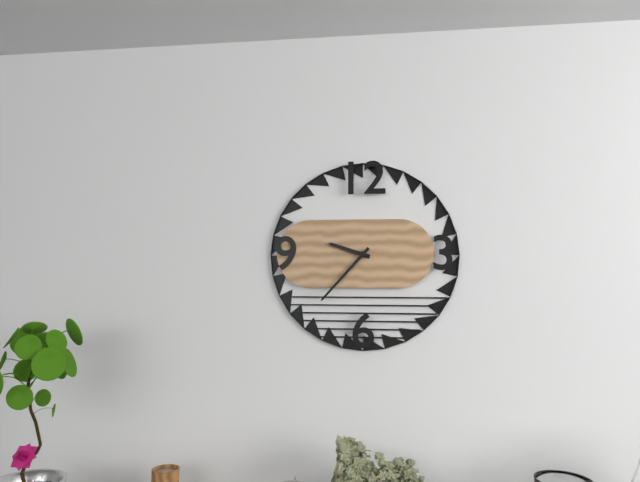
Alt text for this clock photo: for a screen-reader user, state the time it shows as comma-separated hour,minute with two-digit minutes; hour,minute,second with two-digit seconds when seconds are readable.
9,37
